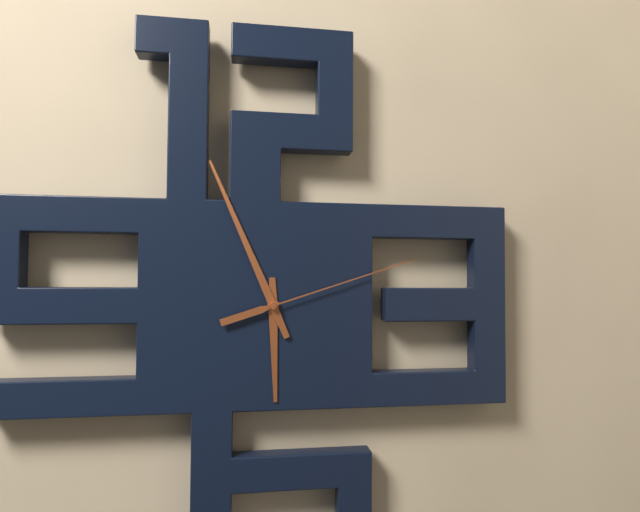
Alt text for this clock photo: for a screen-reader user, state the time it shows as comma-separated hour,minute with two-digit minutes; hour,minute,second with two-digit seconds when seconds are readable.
5,56,12
